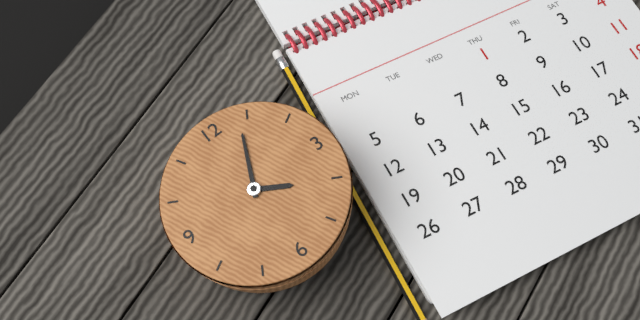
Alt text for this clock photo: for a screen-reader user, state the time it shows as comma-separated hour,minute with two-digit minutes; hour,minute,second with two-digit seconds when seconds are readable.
4,04
